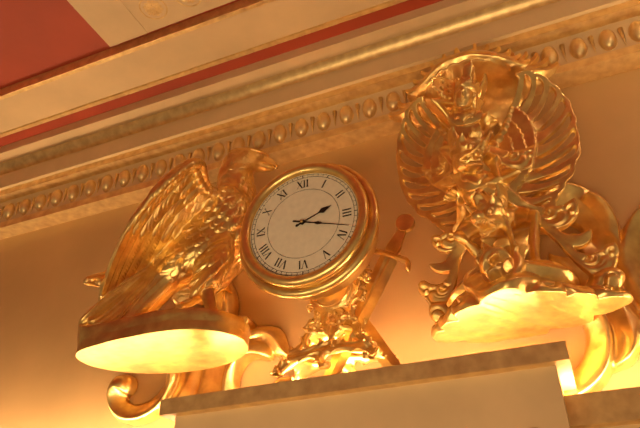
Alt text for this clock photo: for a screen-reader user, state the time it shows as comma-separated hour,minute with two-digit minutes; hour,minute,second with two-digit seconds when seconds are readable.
2,18
